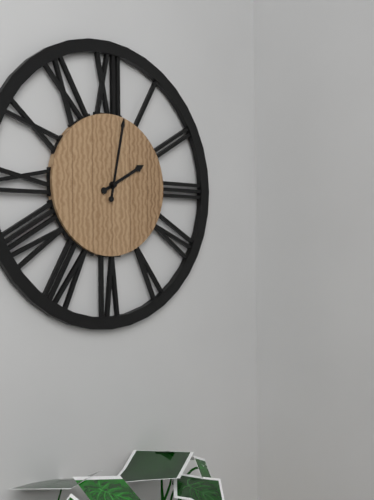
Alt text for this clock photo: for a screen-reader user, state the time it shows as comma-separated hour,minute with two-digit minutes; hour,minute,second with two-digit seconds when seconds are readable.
2,02
